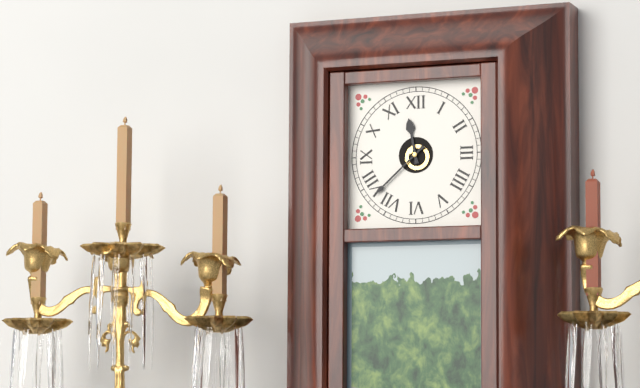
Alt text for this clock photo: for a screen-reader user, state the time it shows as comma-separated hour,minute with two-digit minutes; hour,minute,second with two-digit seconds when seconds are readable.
11,38
